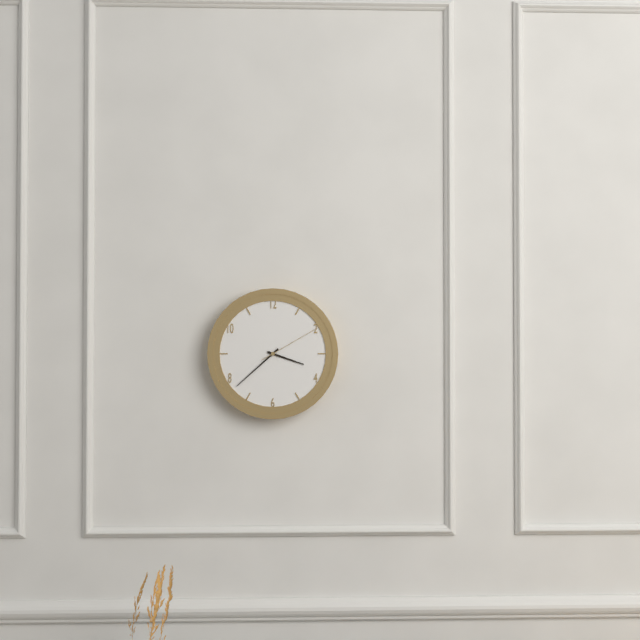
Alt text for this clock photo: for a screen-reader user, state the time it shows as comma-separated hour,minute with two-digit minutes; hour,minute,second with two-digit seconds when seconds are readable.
3,38,10
